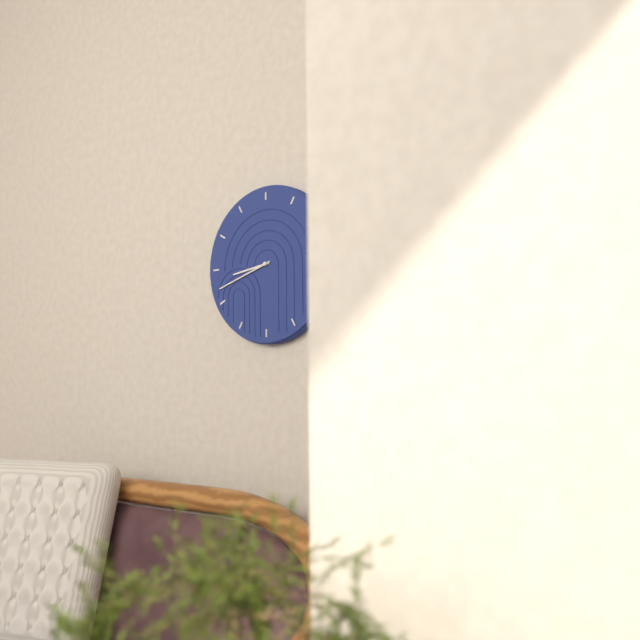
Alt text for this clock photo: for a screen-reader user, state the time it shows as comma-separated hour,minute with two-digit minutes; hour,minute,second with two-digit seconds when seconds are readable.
8,42
